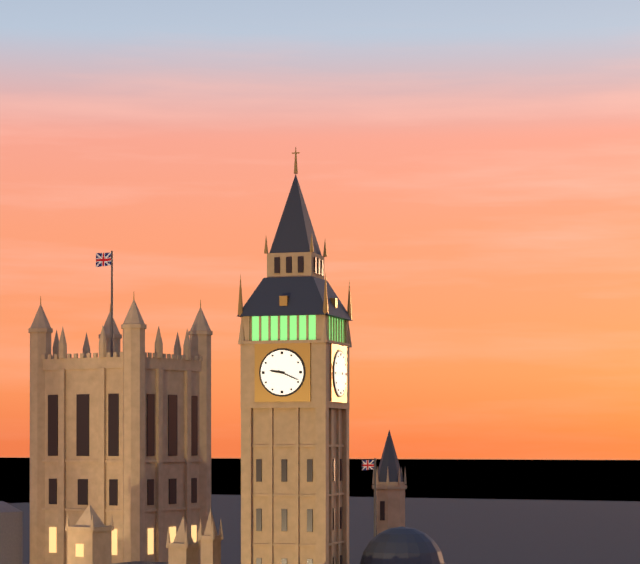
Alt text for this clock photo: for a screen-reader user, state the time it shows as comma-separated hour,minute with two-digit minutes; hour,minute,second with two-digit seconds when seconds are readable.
9,19
